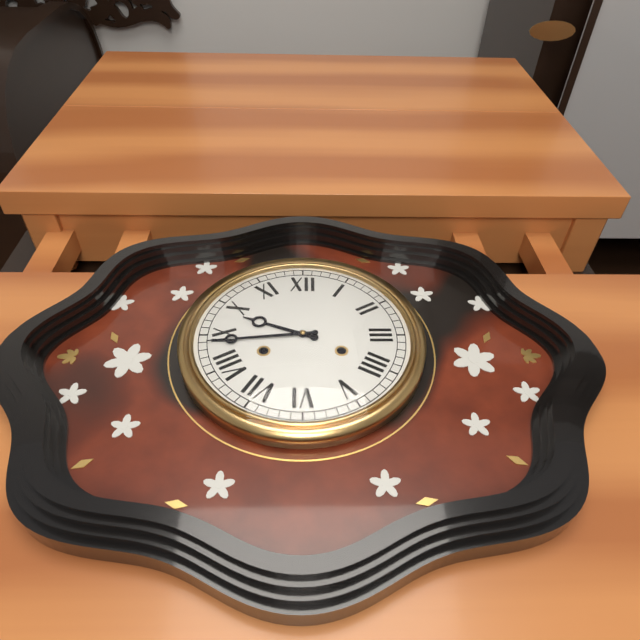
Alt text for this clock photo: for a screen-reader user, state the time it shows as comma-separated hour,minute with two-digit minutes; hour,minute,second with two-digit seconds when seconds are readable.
9,44
